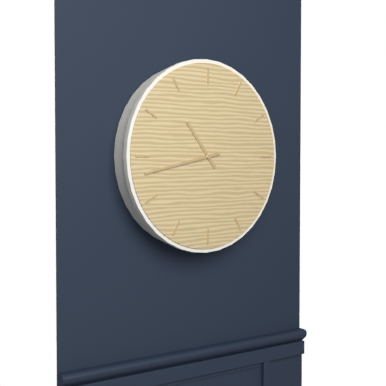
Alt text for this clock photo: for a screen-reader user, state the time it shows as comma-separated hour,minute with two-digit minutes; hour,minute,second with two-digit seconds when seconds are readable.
10,43
